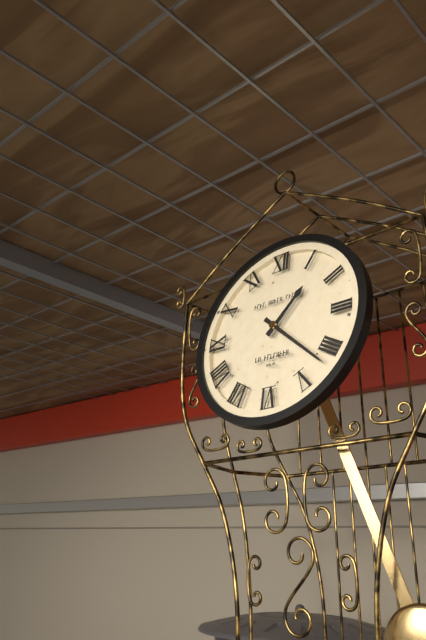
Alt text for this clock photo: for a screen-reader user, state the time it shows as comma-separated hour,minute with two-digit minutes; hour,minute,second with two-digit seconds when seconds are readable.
1,22
